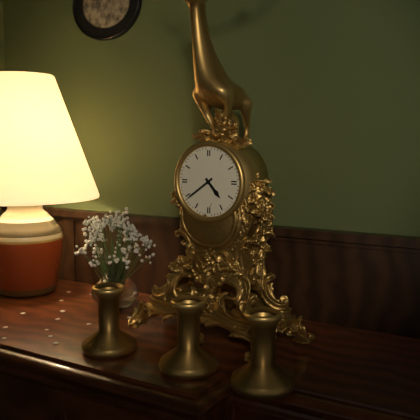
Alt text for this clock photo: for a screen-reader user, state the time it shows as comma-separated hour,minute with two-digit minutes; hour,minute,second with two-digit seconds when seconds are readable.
4,39
